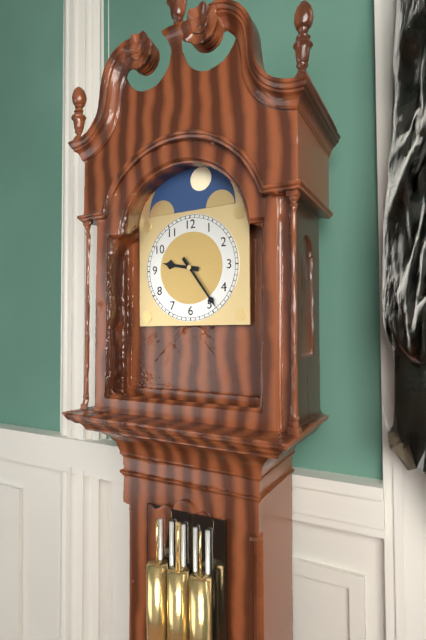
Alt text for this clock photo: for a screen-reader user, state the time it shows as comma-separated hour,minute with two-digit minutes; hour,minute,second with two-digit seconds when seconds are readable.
9,24
